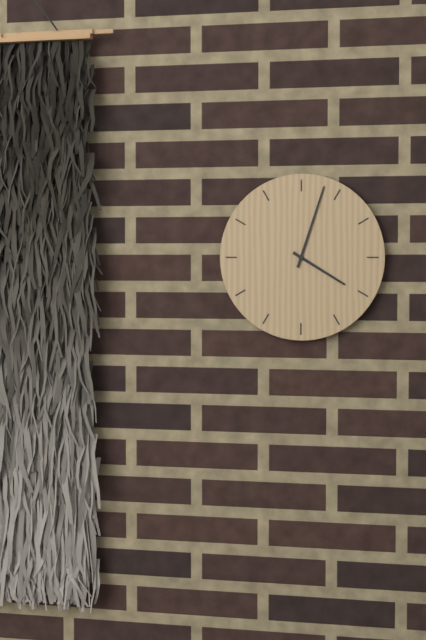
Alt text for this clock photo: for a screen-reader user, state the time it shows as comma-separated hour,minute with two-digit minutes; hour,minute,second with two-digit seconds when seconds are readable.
4,03
